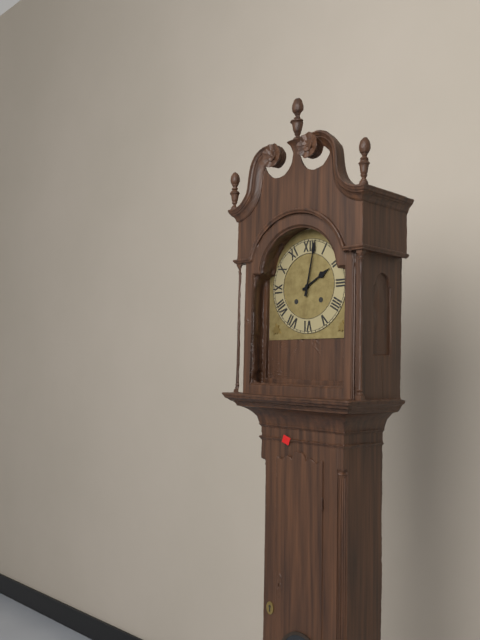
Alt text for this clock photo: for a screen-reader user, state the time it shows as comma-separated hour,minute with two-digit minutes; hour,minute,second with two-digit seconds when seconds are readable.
2,02
